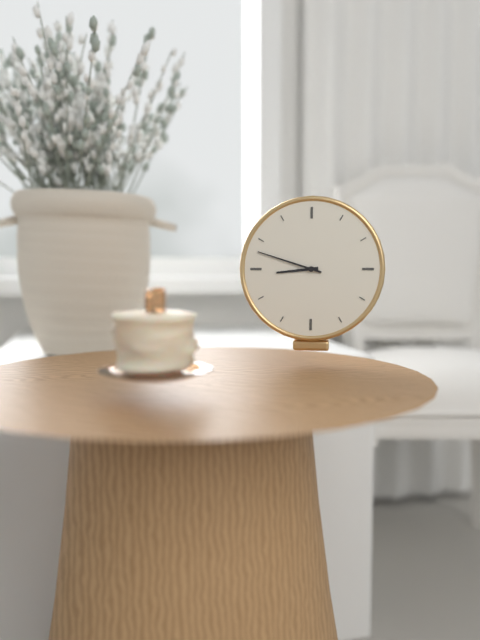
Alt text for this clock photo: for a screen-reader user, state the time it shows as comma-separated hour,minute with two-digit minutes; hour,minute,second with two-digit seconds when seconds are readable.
8,48
